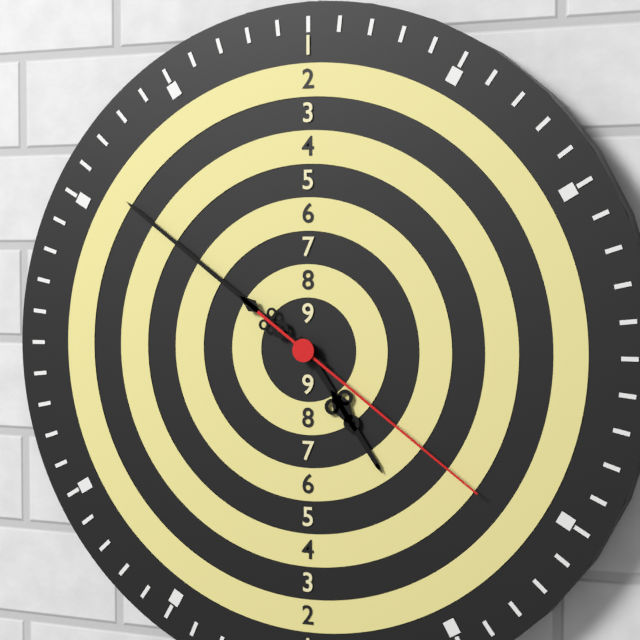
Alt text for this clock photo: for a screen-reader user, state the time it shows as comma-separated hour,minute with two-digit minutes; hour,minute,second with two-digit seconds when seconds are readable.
4,51,21
